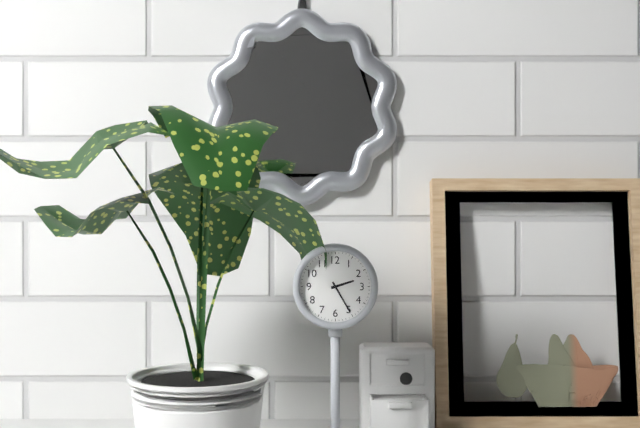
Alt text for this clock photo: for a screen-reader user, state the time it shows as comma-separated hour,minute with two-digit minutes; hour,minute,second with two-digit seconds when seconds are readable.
2,25
